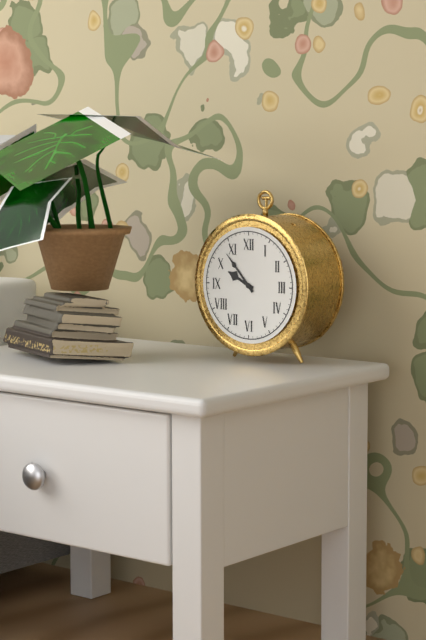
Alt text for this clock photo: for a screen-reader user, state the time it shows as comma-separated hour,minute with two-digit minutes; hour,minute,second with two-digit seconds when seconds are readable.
9,53
